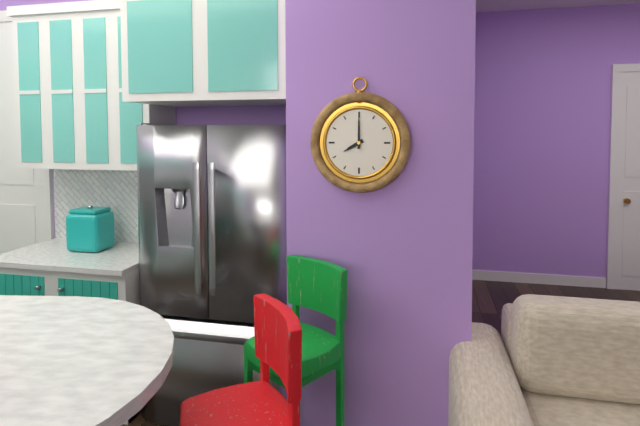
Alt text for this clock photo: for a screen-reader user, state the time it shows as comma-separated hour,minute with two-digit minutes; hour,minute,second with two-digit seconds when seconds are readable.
8,00
